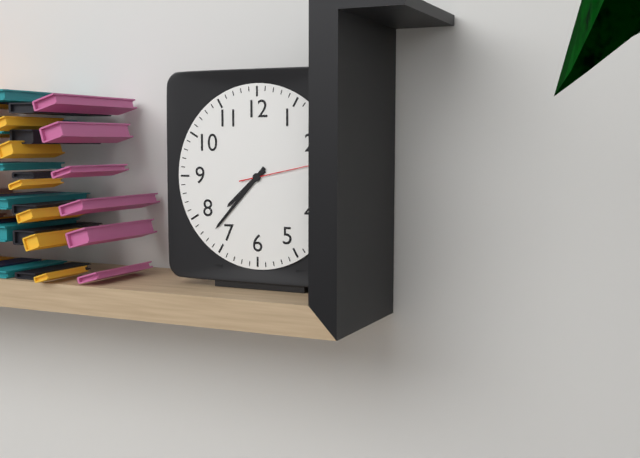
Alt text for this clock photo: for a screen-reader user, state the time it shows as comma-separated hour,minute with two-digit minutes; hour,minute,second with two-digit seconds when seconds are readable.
7,37,13
